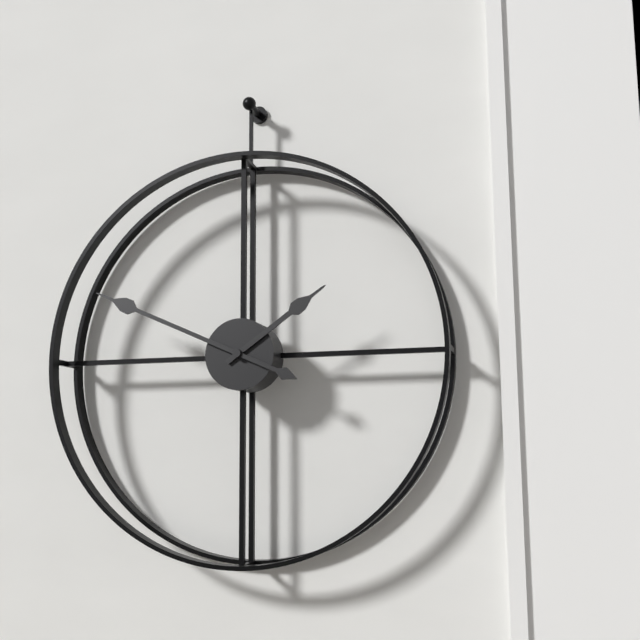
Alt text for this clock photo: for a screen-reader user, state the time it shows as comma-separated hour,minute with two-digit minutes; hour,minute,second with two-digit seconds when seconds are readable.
1,49
